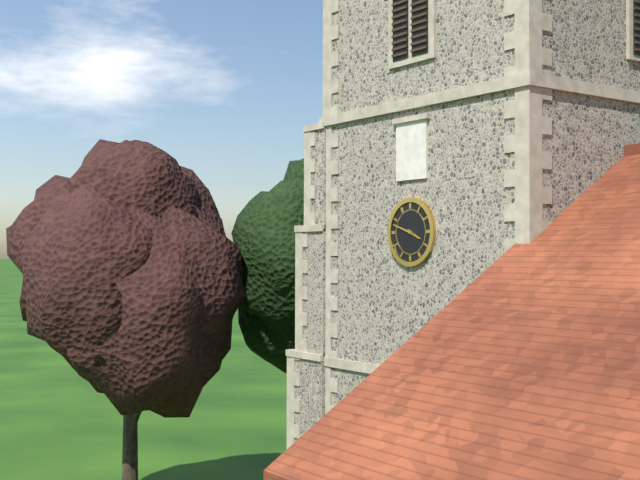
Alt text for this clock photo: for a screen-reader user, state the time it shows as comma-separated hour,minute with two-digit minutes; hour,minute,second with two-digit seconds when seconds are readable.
3,48
